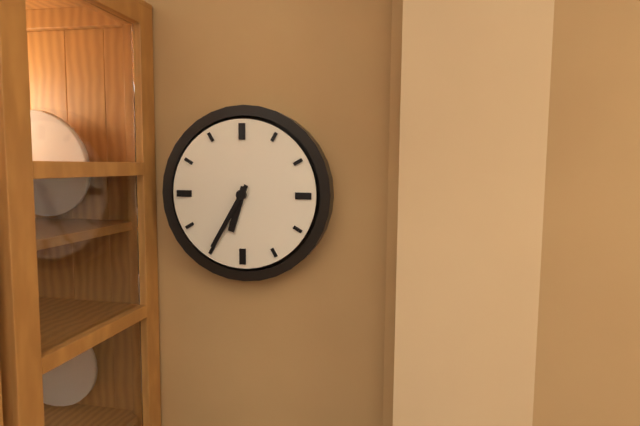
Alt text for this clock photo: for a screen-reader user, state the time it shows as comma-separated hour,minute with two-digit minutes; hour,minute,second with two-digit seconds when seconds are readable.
6,35
